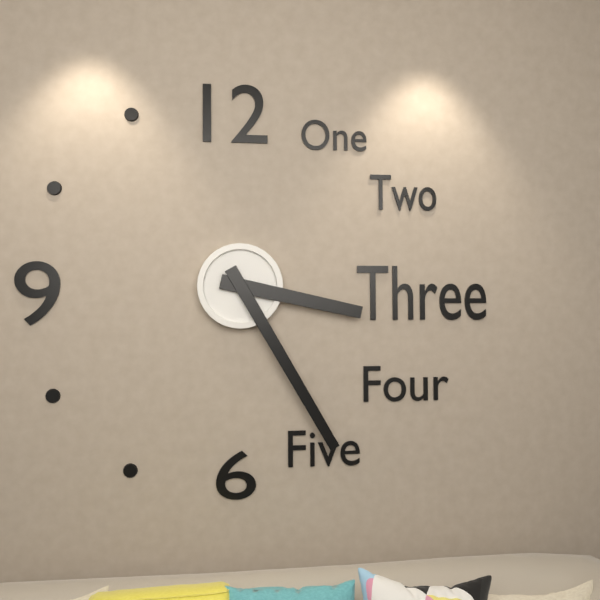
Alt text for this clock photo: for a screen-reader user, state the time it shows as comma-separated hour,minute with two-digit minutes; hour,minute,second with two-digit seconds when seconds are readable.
3,25
